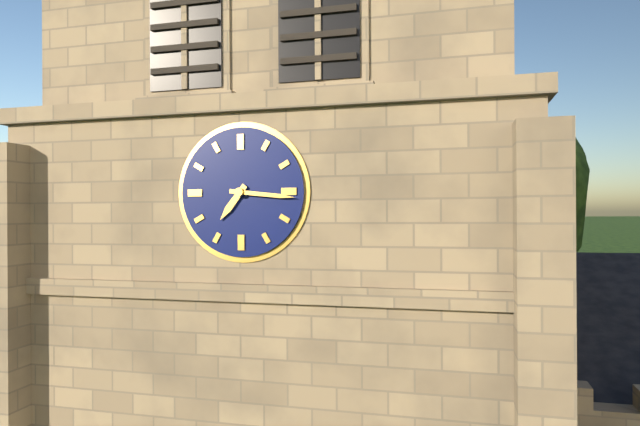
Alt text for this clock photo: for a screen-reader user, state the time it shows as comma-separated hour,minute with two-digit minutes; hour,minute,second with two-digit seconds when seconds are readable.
7,16
